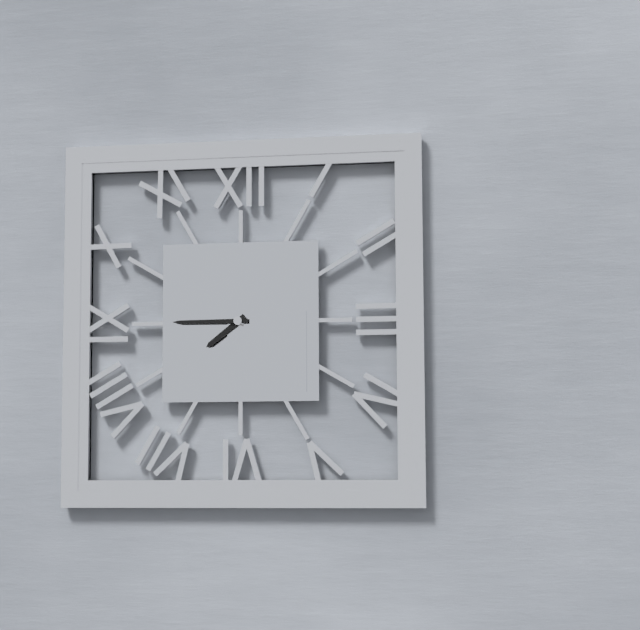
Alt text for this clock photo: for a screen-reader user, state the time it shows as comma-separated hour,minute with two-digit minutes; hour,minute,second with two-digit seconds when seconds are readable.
7,45
